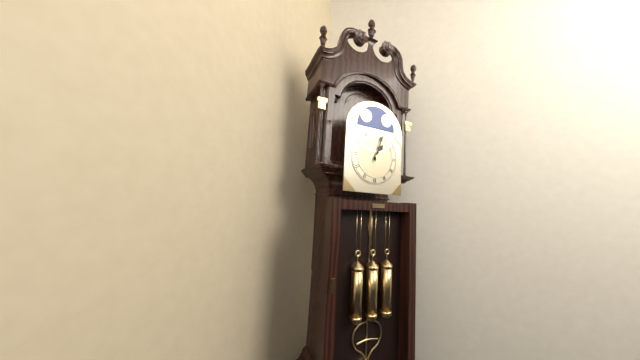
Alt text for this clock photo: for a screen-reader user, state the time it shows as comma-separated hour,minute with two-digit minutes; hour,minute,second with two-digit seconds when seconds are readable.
1,03
